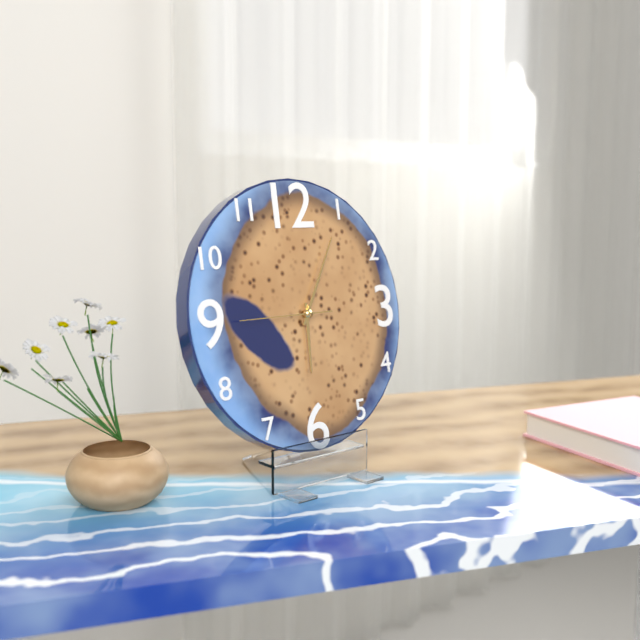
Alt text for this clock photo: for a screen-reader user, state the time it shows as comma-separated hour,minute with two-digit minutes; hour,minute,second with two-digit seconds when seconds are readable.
6,05,45
